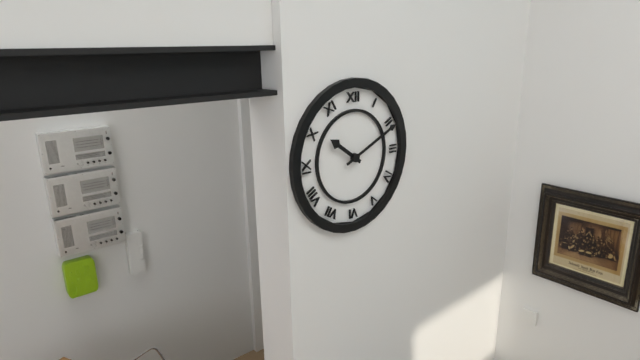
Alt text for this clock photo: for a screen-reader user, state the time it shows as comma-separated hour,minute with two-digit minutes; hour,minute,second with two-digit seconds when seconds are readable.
10,11
